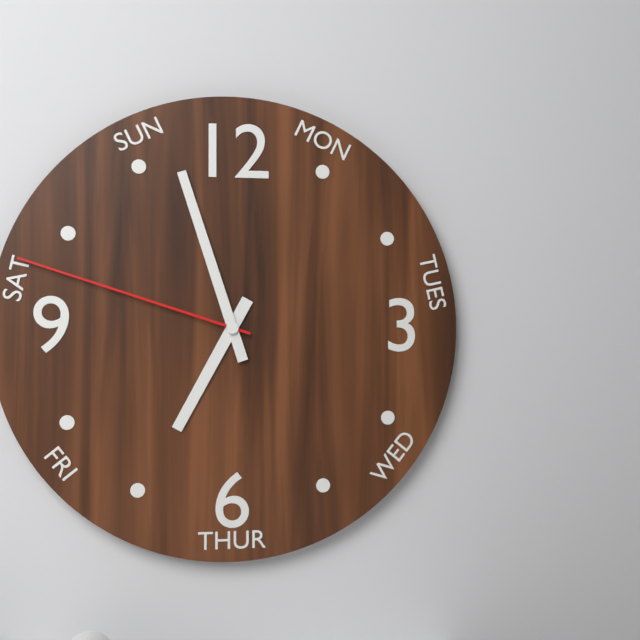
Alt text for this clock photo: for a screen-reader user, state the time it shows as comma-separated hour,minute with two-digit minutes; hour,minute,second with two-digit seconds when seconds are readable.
6,57,48
